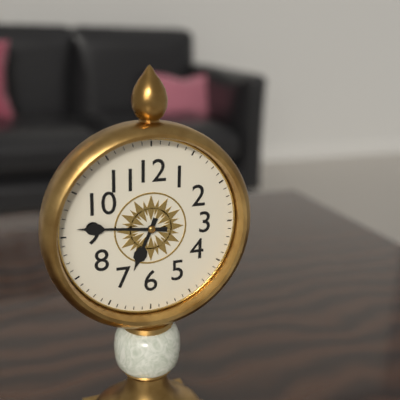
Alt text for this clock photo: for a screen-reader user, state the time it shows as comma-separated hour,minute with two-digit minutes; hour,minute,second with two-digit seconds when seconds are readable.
6,46
